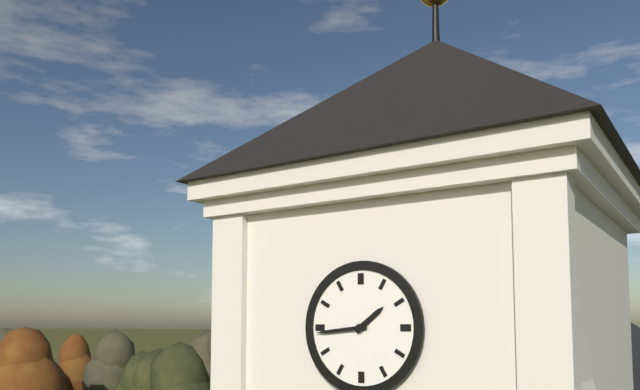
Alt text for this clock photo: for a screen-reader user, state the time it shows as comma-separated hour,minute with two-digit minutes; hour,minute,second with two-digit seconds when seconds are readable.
1,44
